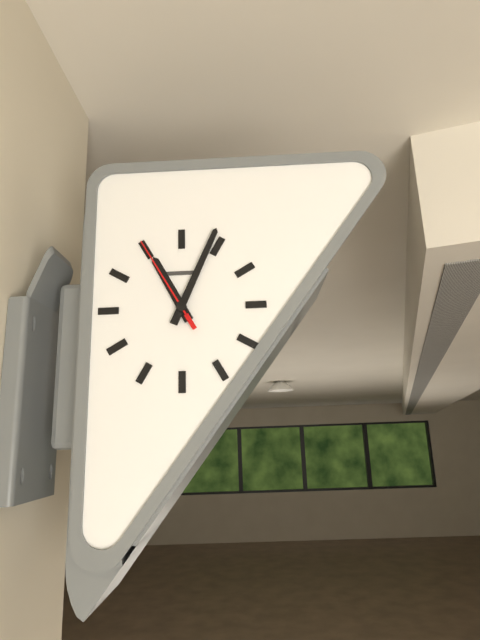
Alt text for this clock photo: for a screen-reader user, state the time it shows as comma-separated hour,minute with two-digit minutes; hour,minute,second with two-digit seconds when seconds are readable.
11,04,55
